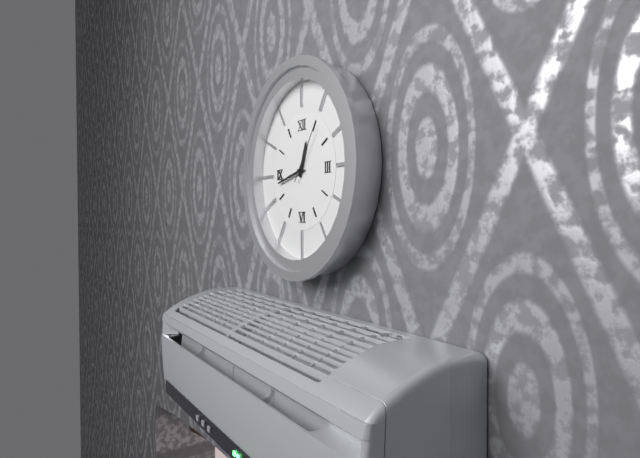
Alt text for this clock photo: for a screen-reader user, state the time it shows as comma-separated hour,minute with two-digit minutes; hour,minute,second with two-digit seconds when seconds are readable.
12,43,06
